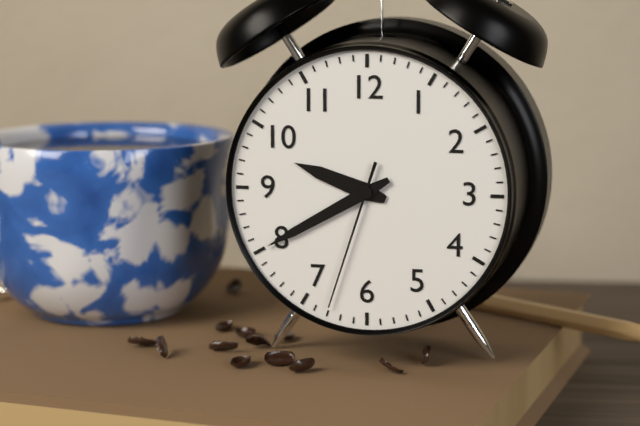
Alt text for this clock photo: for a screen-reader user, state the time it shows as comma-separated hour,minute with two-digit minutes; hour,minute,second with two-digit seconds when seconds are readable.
9,40,33
